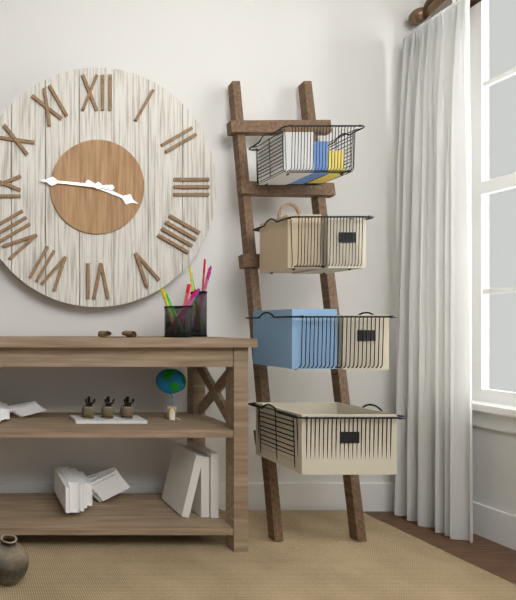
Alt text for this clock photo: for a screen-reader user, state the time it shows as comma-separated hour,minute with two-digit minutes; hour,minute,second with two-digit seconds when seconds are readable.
3,46
